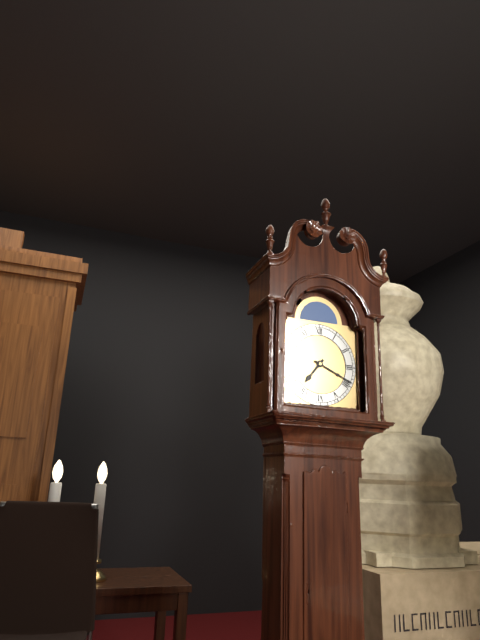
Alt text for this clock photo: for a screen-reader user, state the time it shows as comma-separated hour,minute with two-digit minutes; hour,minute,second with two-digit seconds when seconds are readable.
7,19
